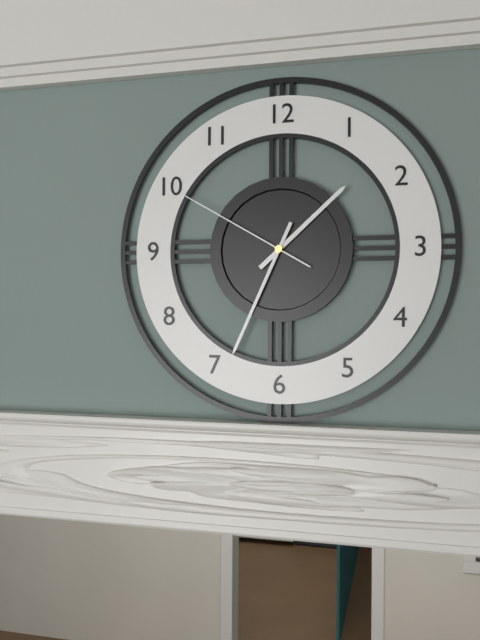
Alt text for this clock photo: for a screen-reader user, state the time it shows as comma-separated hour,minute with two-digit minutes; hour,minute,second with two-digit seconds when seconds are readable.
1,34,50
